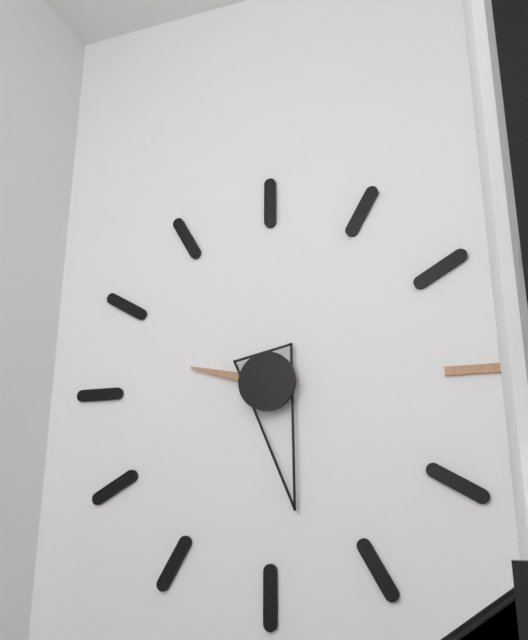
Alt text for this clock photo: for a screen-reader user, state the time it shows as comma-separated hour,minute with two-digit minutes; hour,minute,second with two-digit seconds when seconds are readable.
9,28
